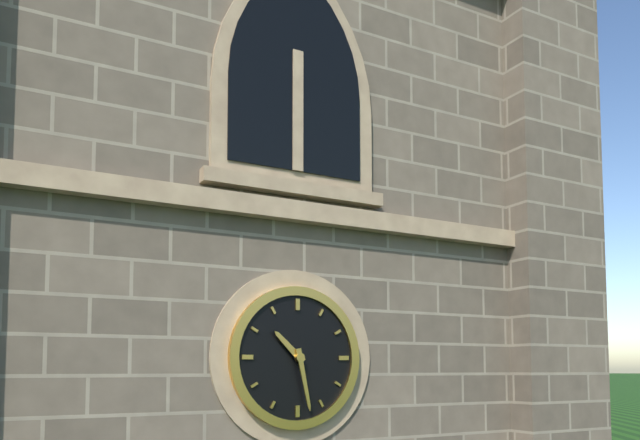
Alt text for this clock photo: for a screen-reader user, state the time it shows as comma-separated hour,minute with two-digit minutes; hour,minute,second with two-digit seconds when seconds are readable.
10,28
